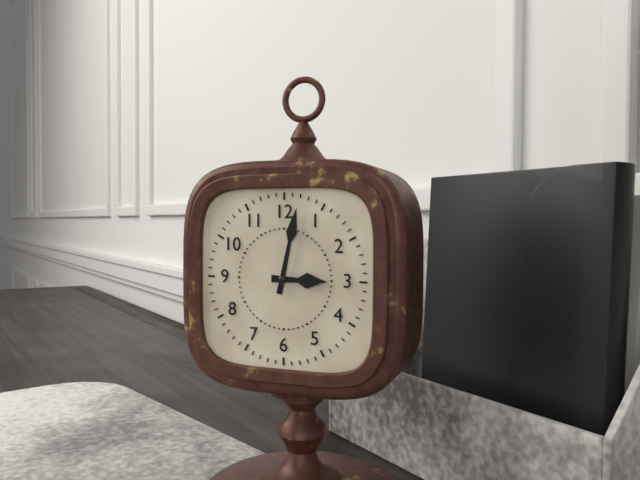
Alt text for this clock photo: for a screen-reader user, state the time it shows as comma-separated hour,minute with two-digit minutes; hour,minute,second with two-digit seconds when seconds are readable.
3,02
